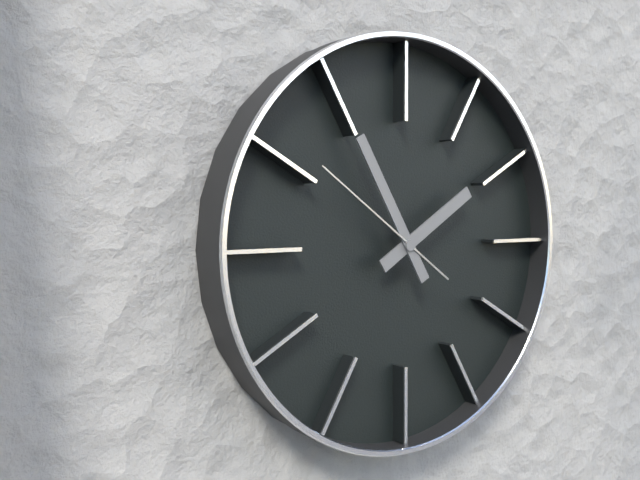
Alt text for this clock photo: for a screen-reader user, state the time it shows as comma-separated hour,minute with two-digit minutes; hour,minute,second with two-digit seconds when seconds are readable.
1,55,51
